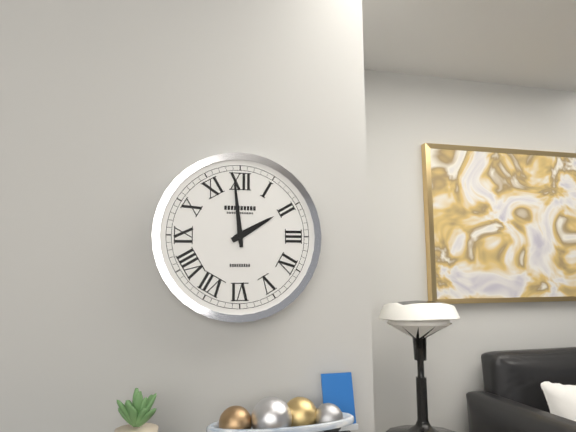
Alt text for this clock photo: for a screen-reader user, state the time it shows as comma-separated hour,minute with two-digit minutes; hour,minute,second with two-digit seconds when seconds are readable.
1,59
